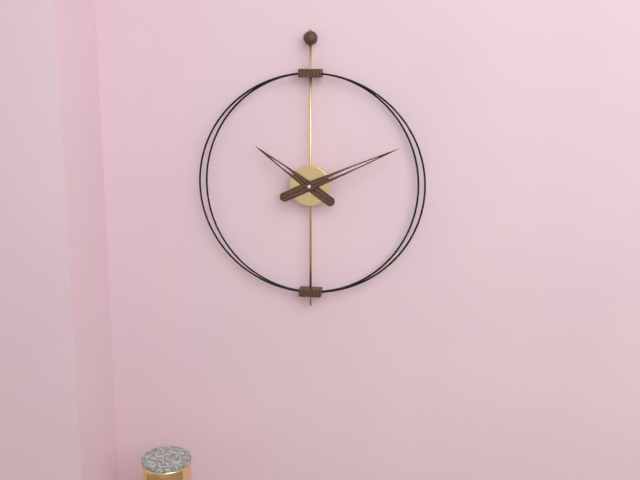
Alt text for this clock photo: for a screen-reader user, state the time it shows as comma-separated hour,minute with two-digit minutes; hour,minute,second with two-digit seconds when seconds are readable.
10,11
